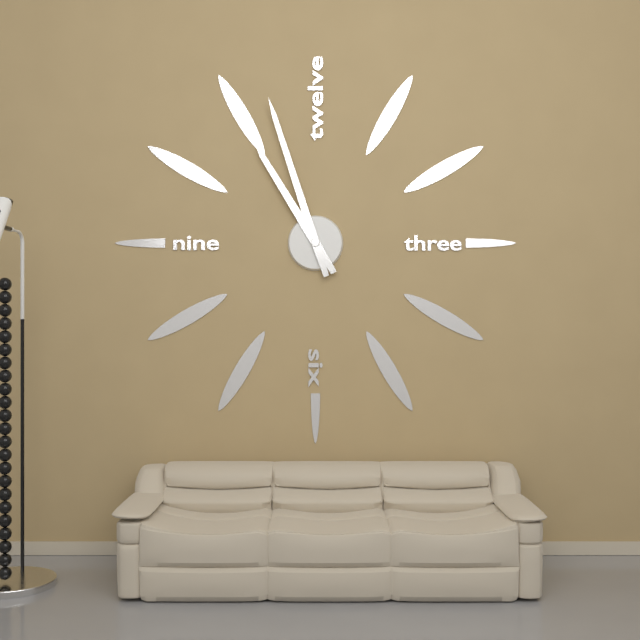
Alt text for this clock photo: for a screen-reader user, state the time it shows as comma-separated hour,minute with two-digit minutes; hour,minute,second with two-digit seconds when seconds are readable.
10,57
